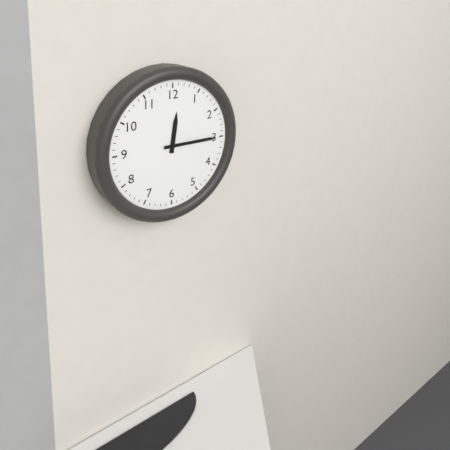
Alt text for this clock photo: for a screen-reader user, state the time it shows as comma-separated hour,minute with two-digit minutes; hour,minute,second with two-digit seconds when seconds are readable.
12,15
